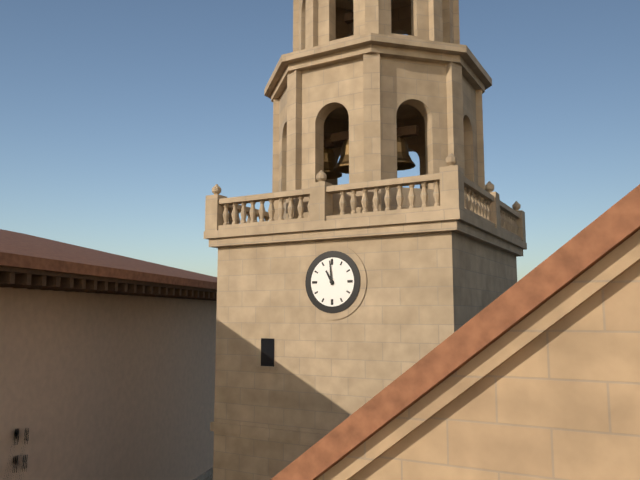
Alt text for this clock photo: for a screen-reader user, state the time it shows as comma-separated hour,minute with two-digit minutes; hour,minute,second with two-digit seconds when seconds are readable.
10,59
